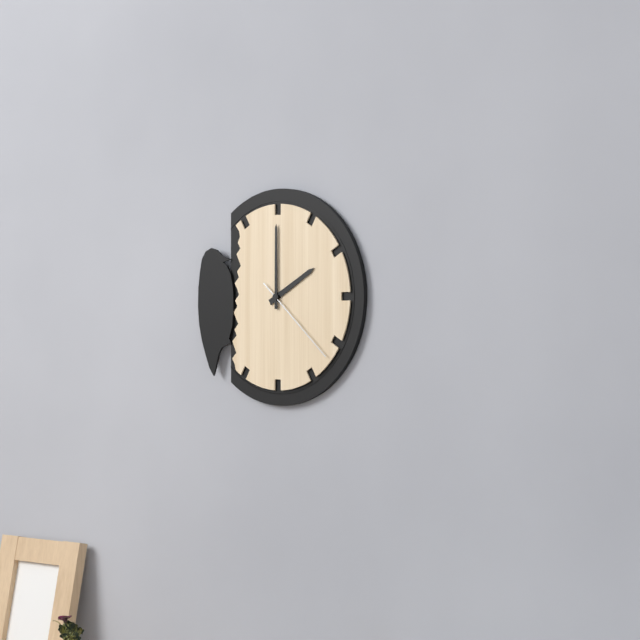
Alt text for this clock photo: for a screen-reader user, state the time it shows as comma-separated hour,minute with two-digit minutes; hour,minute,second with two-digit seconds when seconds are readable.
2,00,22
